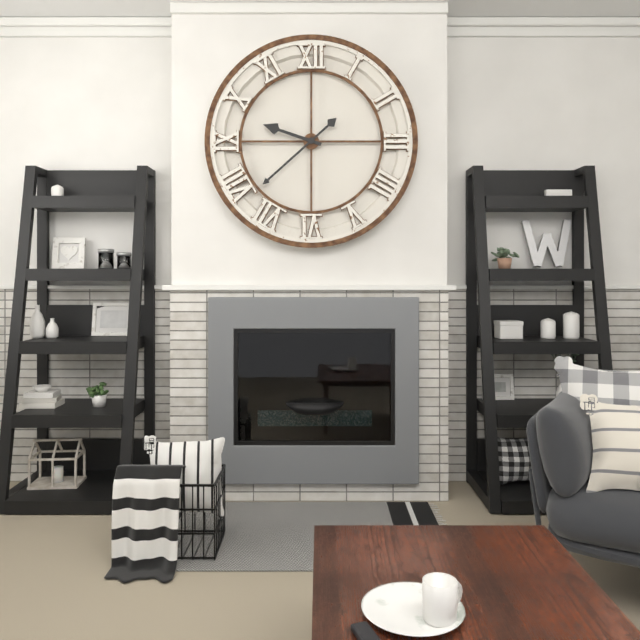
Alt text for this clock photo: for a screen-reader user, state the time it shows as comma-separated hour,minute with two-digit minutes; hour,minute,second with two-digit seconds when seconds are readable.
9,38
